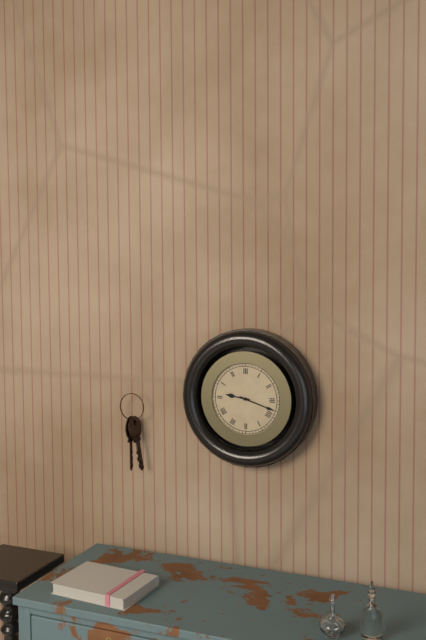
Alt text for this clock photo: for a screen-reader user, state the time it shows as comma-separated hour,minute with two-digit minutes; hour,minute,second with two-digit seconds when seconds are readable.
9,18
